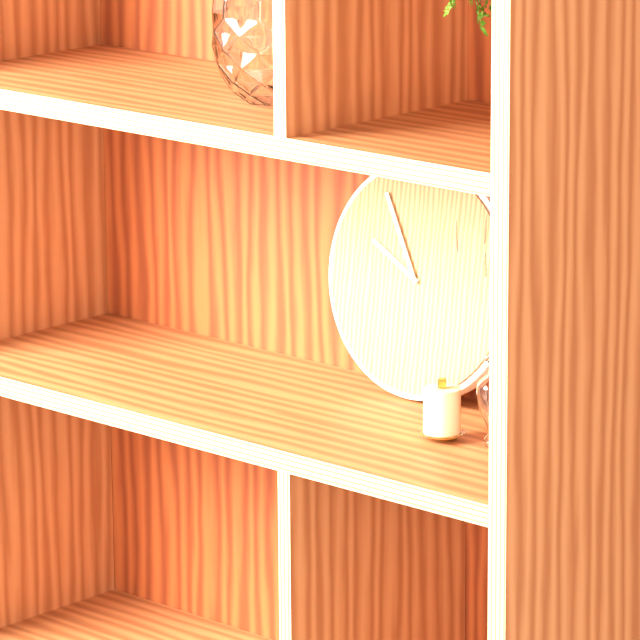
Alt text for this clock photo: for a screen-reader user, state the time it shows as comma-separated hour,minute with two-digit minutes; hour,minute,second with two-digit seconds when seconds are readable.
9,55
